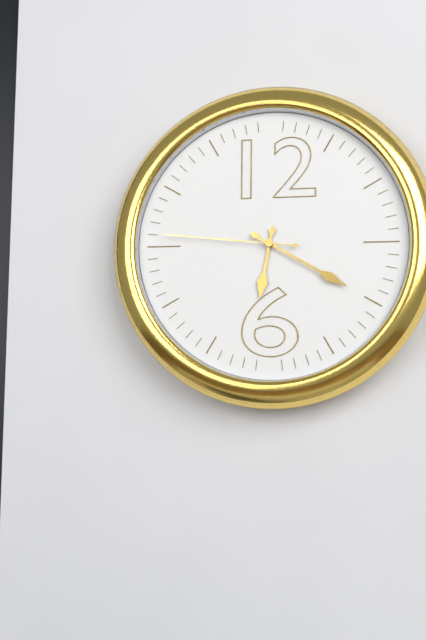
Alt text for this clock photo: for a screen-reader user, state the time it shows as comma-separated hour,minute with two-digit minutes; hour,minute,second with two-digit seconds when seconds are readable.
6,20,46
